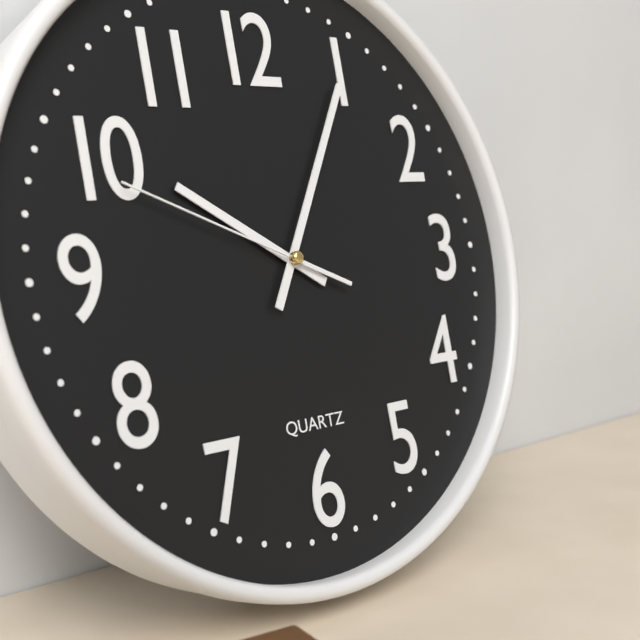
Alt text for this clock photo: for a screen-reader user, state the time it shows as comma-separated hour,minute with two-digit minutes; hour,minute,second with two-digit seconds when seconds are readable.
10,05,49
